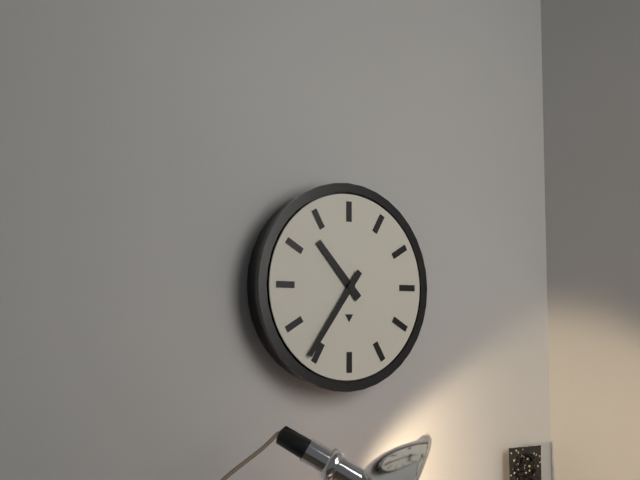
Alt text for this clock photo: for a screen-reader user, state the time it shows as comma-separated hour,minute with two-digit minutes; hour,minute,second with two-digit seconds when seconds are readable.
10,36
